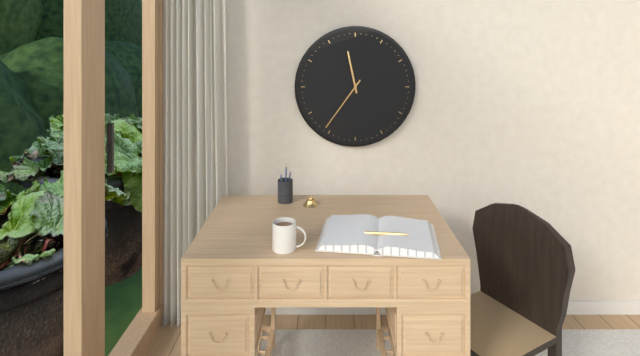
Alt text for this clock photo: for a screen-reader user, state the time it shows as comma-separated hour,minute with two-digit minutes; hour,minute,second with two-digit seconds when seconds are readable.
11,36
